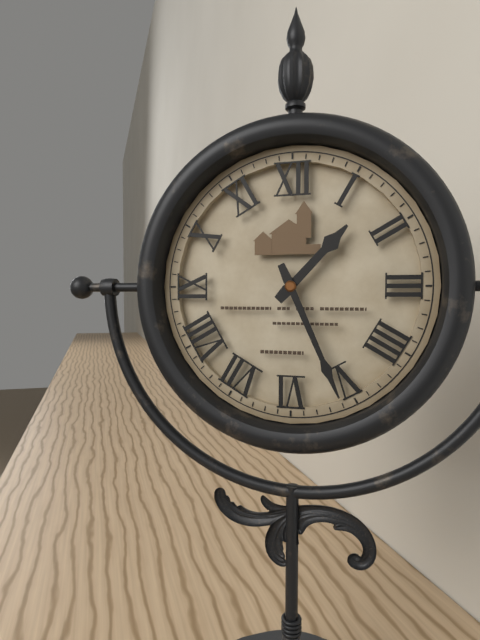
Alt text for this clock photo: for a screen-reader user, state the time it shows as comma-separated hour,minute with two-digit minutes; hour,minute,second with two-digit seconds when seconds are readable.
1,26
